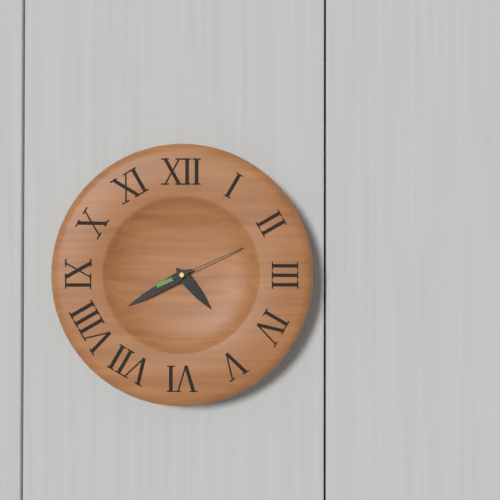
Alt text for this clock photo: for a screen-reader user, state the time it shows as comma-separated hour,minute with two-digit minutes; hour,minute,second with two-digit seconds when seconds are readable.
4,40,11
